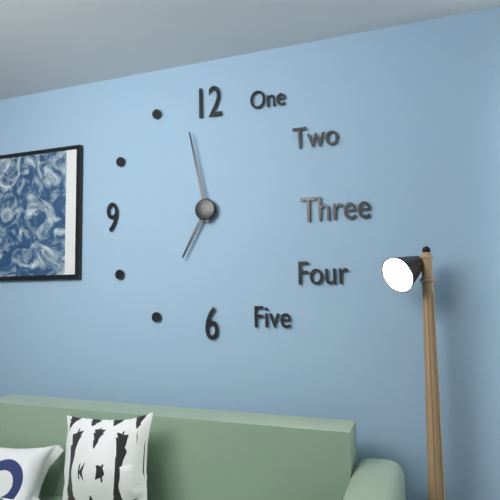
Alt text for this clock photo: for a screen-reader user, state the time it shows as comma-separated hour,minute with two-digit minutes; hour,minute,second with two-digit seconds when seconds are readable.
6,58
